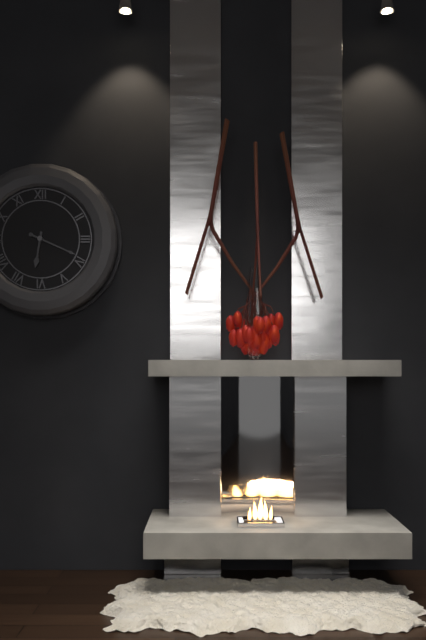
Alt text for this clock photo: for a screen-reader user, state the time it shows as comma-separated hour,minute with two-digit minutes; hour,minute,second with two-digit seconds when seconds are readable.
6,19
